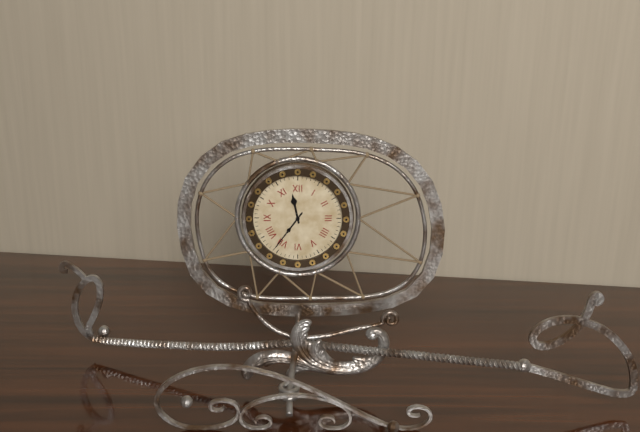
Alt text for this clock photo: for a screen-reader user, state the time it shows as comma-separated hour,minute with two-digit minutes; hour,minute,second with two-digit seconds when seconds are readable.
11,36
